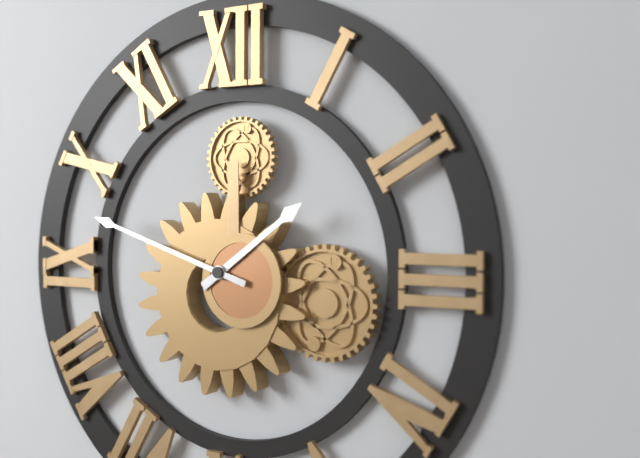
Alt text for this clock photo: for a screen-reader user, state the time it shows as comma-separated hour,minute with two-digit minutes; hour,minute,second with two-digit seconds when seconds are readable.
1,48
